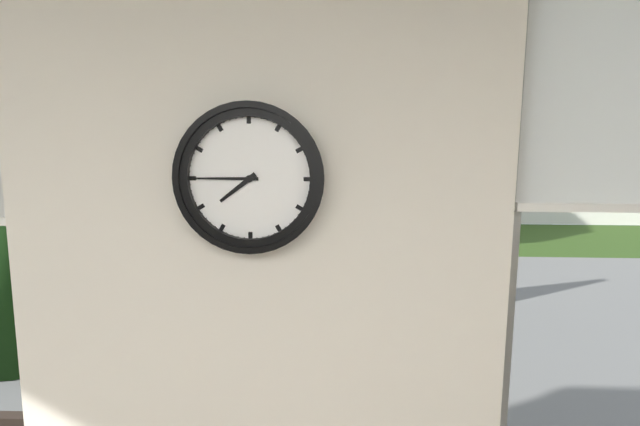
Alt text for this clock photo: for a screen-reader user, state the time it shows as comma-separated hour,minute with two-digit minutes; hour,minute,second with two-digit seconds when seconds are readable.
7,45
